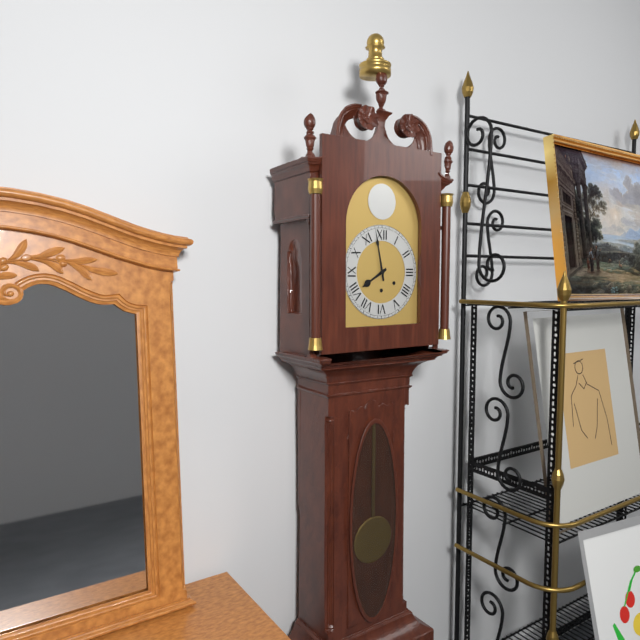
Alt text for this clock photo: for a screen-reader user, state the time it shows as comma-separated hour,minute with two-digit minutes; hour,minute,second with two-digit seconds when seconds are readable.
7,58
